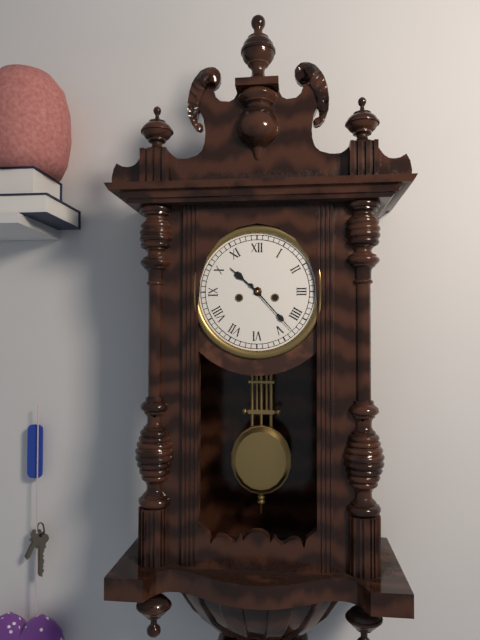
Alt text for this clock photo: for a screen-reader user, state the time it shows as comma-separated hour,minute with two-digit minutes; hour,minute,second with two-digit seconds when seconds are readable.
10,23
